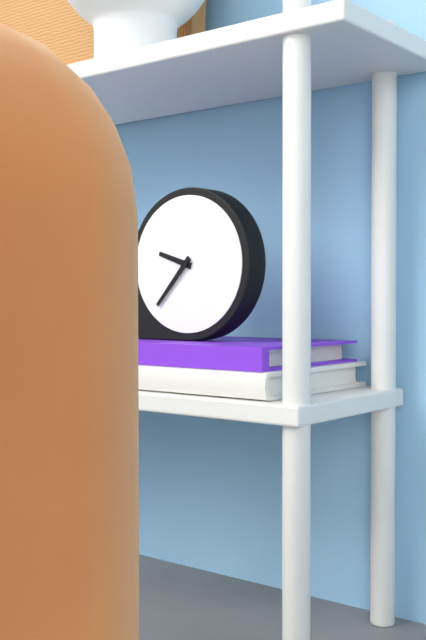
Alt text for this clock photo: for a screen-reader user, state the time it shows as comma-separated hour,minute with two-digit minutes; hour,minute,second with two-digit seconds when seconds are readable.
9,37
